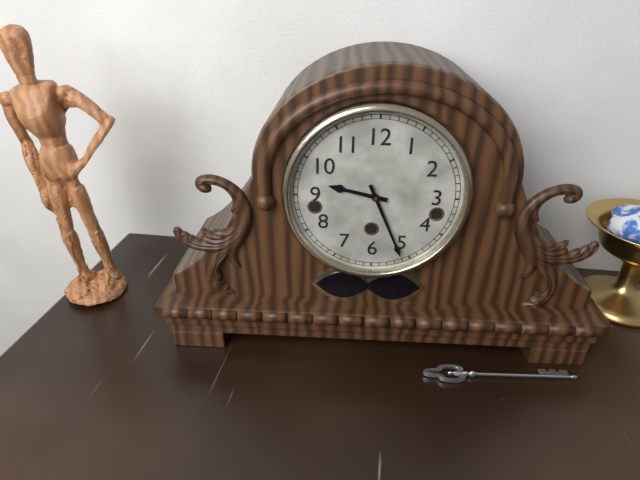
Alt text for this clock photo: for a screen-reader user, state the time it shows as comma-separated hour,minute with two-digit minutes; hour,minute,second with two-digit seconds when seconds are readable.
9,26
